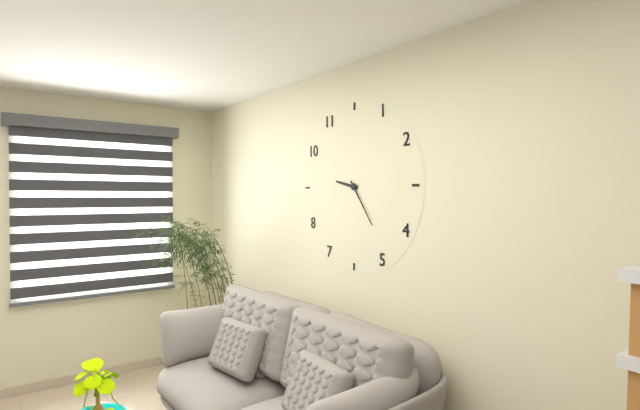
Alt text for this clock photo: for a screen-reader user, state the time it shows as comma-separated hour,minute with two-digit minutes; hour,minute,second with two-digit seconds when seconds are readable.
9,24
